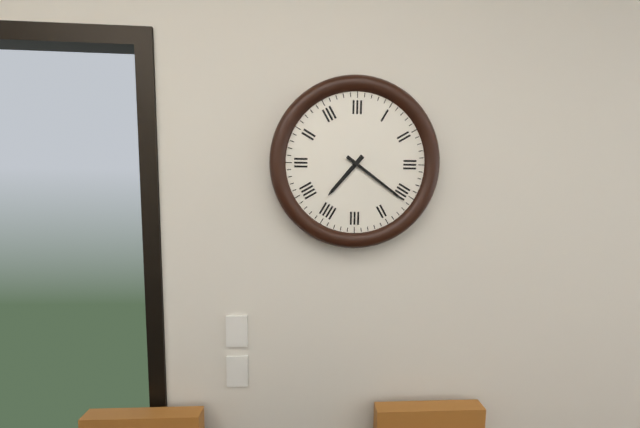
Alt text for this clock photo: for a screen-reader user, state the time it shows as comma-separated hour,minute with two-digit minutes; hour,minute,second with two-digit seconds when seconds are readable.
7,21
